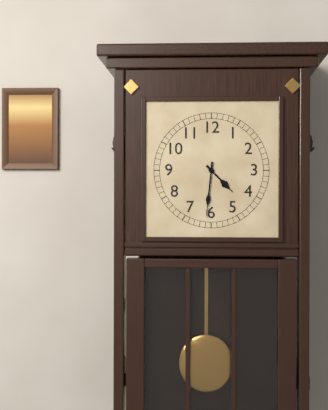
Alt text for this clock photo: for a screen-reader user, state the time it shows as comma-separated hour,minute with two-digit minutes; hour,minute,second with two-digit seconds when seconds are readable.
4,31
